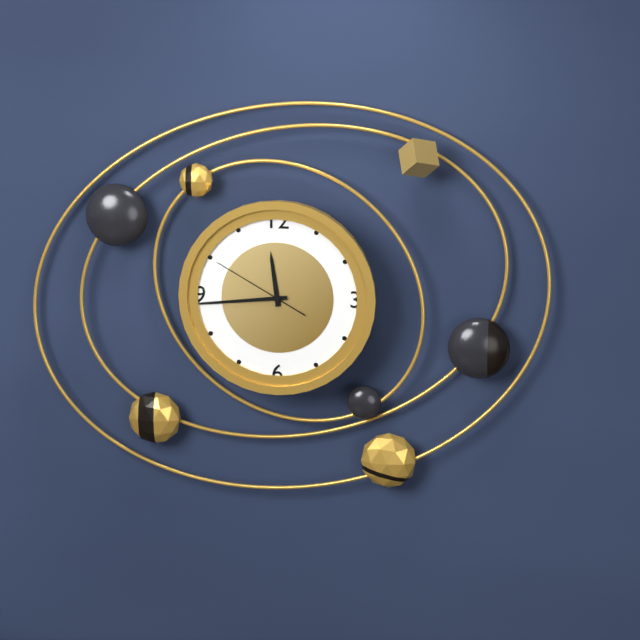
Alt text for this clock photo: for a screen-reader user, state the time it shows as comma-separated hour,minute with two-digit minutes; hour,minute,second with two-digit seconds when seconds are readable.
11,44,50
